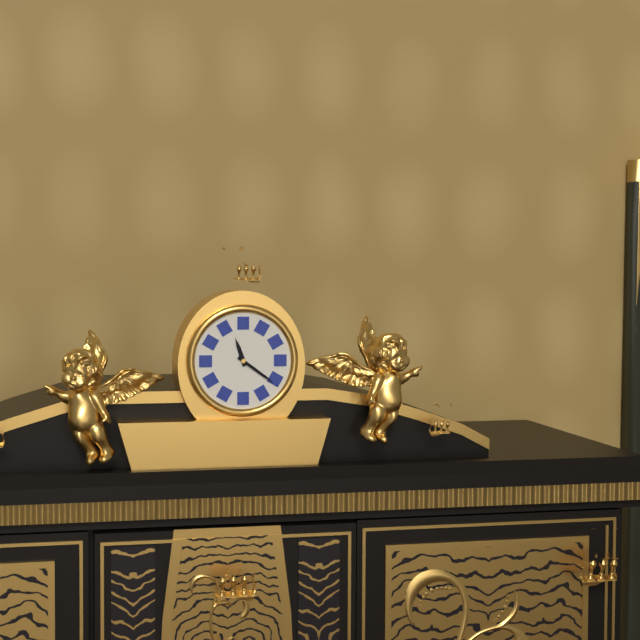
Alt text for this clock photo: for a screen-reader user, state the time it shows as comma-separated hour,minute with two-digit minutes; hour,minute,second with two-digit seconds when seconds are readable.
11,21
